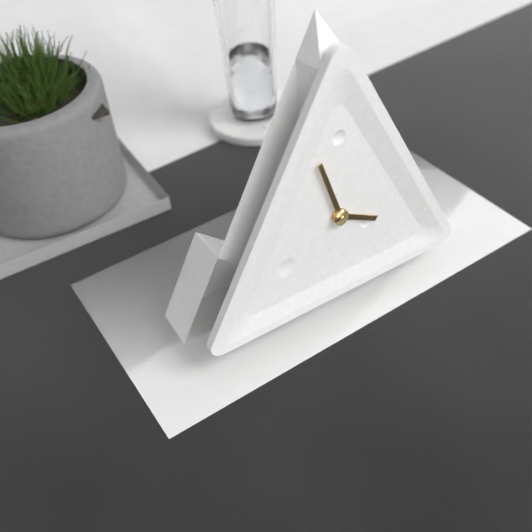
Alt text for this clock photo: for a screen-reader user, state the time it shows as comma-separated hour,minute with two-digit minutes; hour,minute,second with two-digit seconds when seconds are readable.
3,57
